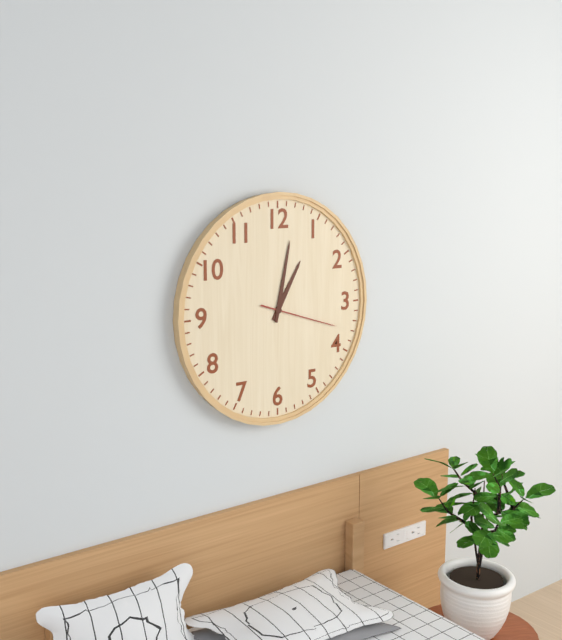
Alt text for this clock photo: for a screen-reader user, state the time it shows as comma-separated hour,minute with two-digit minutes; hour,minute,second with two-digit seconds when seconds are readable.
1,02,18
